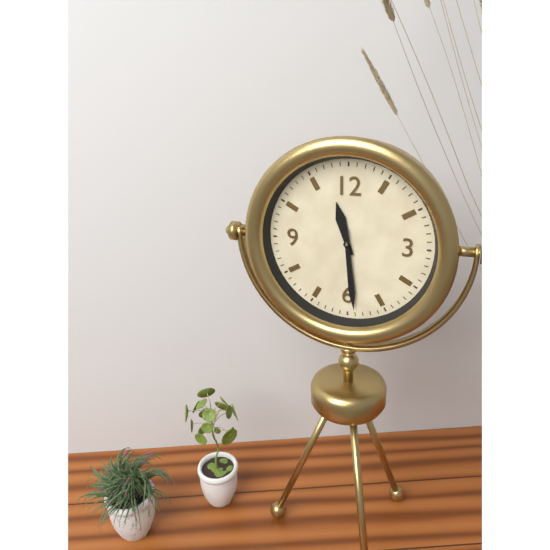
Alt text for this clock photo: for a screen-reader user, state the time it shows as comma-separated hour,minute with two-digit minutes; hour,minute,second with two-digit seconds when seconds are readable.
11,29
